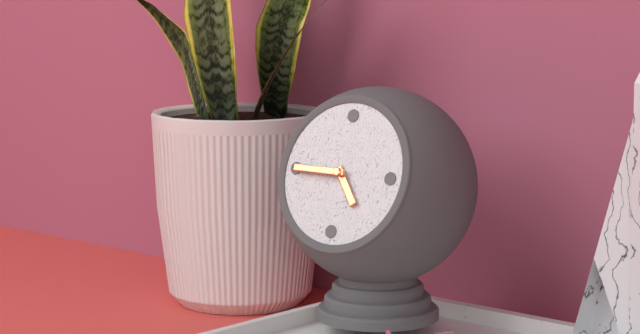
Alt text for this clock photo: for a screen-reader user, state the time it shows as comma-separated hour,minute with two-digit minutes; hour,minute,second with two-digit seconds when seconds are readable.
4,45
